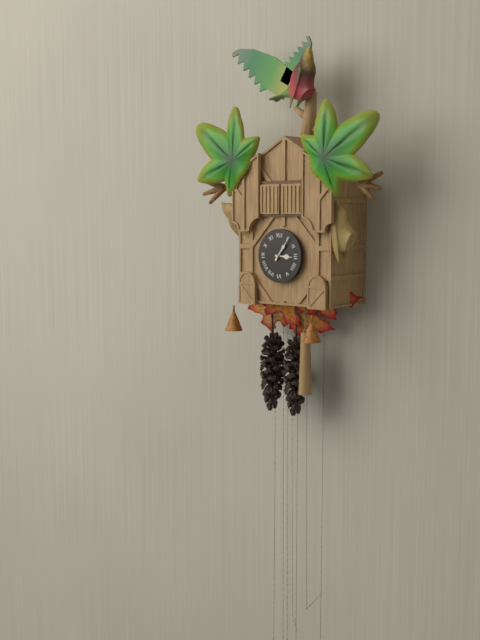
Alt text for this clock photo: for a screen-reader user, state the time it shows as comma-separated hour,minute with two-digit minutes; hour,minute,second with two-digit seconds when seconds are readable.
3,06
